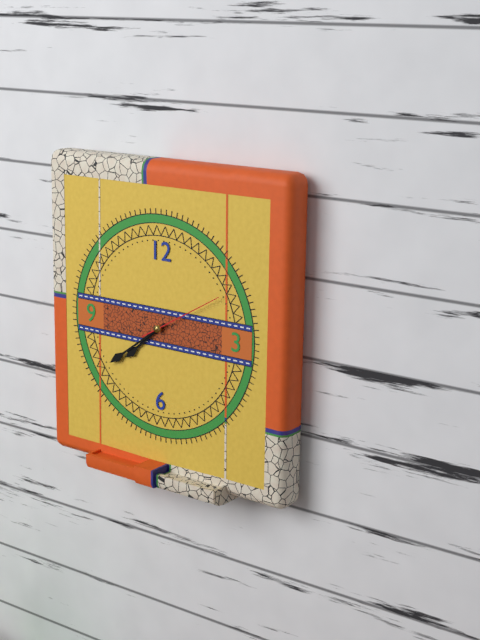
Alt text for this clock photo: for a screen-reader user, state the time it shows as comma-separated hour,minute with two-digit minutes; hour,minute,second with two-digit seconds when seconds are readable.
7,39,10
